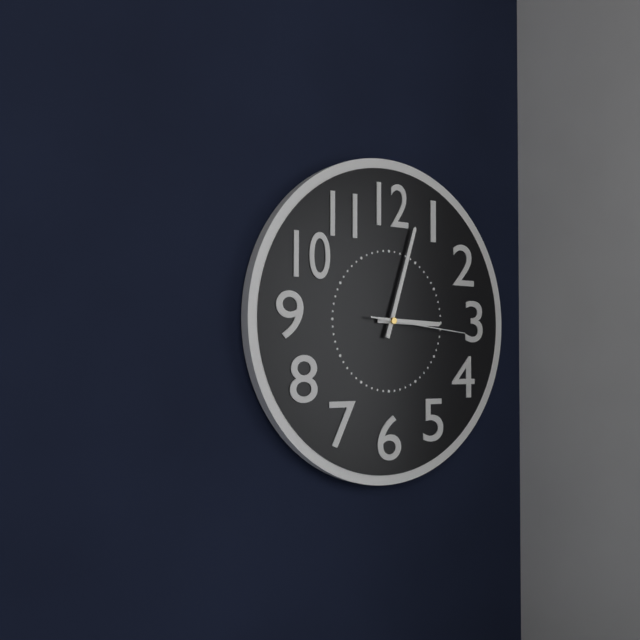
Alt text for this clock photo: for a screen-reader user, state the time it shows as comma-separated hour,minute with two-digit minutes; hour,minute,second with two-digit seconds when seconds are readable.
3,03,16
